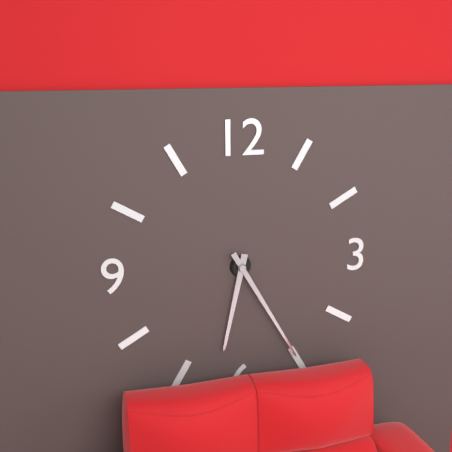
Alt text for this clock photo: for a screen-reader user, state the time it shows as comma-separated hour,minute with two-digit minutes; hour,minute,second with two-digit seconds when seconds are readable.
6,25
